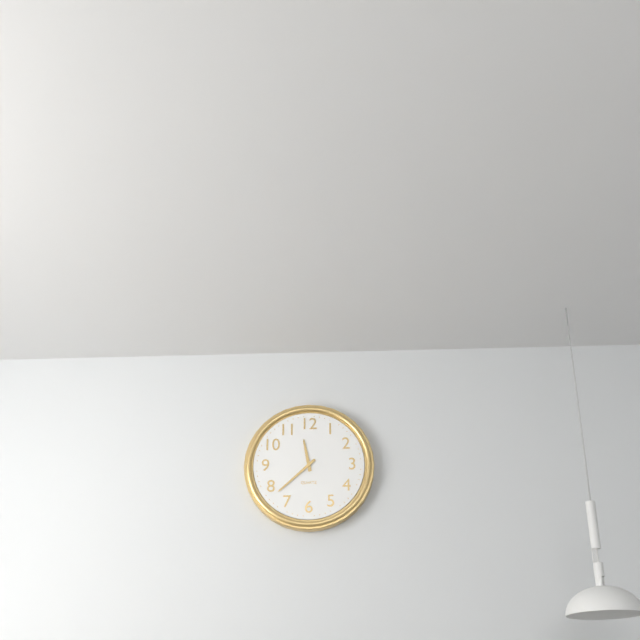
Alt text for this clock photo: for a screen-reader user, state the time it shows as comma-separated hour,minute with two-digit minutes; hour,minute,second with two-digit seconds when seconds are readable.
11,38
